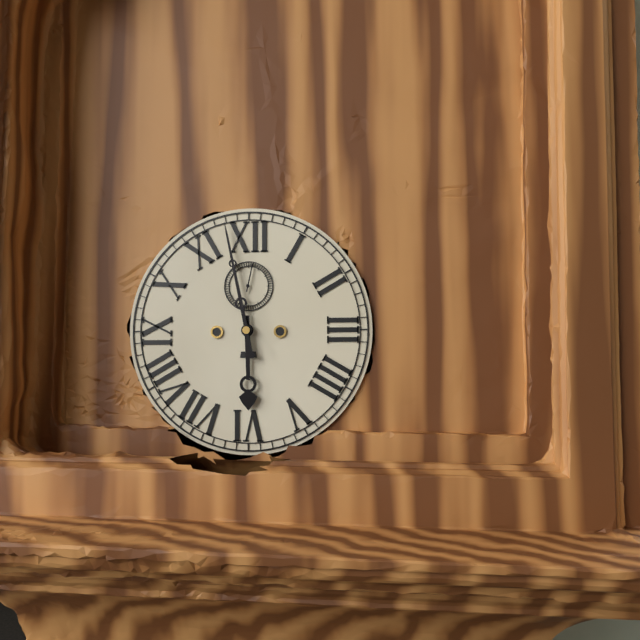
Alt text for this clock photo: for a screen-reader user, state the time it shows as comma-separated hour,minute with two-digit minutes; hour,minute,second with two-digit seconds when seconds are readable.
5,58
